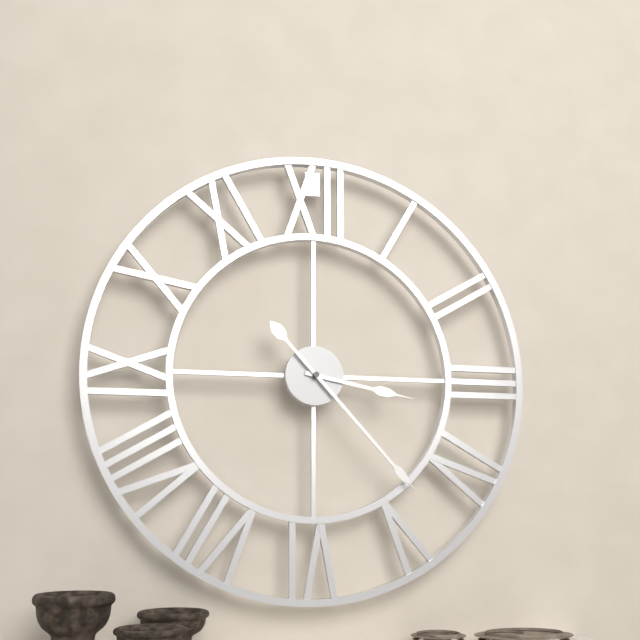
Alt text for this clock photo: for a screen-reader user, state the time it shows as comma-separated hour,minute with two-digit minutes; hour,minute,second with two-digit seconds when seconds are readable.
3,23
